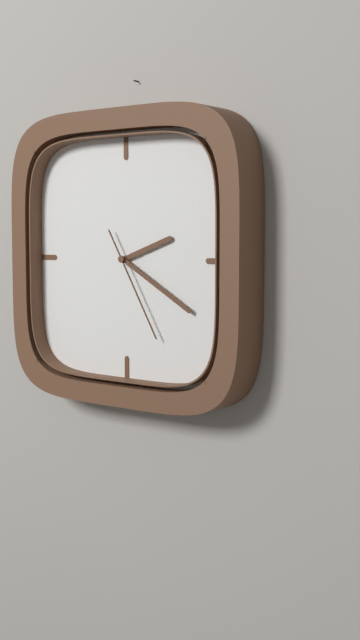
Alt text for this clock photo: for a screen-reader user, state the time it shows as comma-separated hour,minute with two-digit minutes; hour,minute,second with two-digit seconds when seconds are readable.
2,20,25
